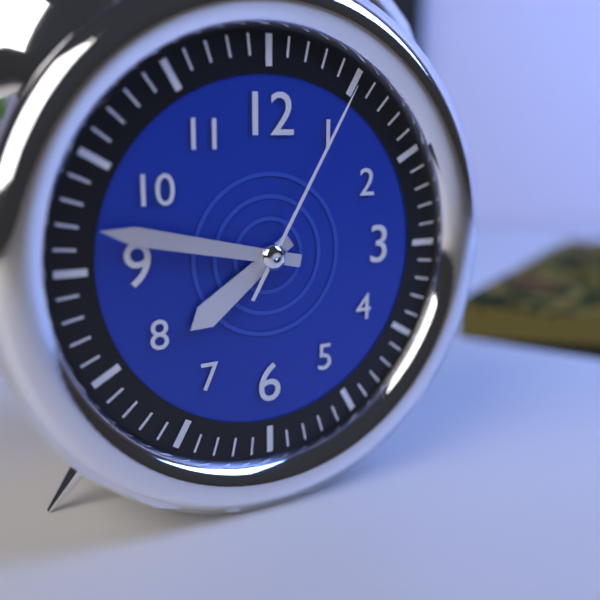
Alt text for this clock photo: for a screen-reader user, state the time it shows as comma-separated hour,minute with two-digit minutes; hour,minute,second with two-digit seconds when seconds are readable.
7,47,05
